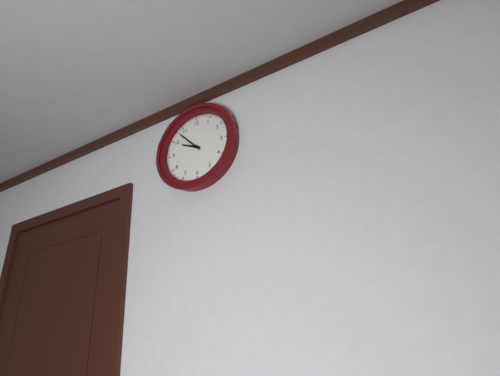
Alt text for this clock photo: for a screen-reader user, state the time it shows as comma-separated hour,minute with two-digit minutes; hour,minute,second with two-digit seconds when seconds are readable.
9,53
